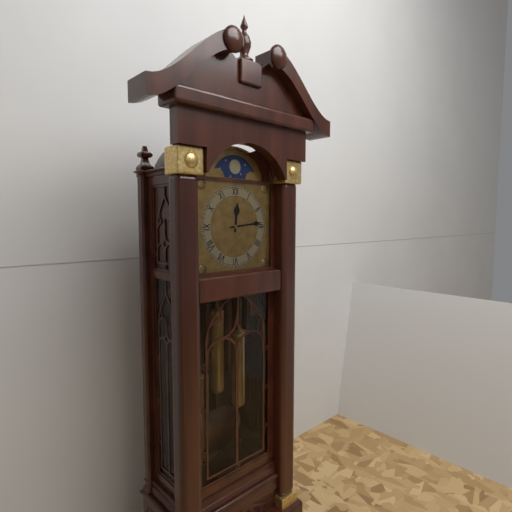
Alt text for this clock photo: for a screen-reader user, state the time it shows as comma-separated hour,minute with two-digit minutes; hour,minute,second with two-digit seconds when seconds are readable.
12,14
